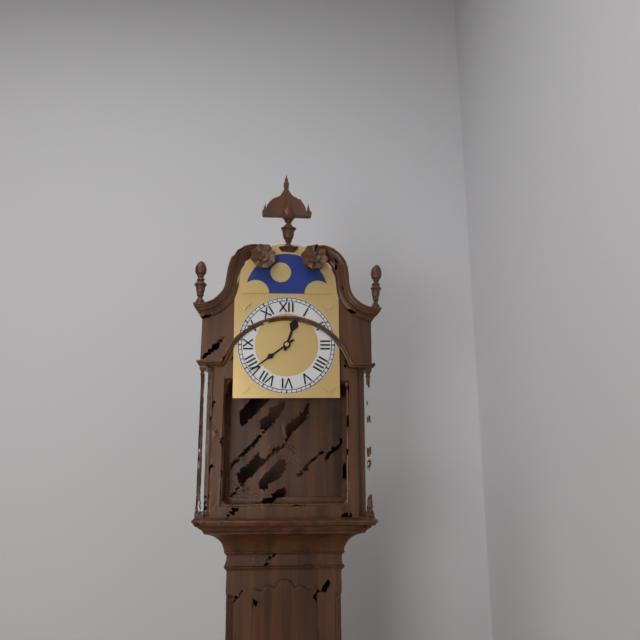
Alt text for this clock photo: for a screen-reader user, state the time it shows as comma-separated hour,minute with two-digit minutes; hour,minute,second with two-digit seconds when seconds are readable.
12,39
